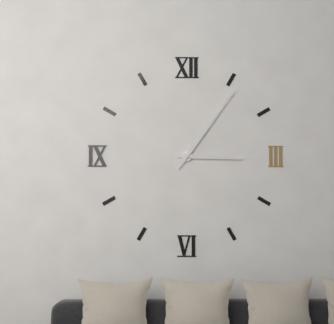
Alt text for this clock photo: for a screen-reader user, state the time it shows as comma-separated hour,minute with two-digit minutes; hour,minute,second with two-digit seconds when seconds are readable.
3,06
